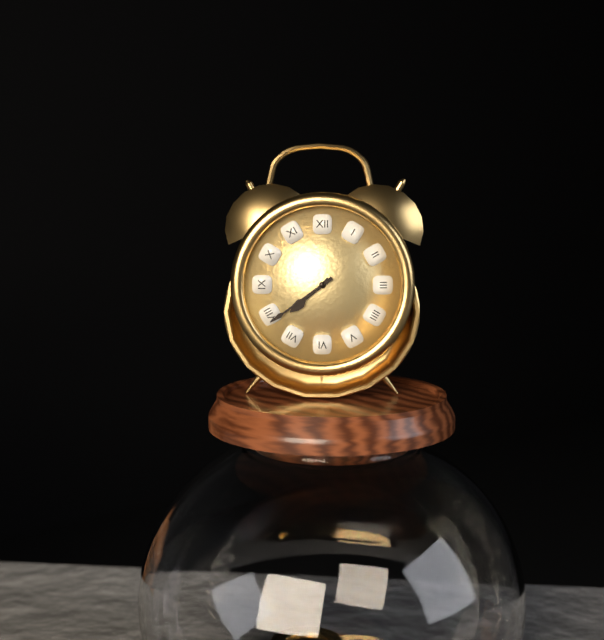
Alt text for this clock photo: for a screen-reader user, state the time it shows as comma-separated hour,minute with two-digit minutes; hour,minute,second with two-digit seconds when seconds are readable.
7,39
